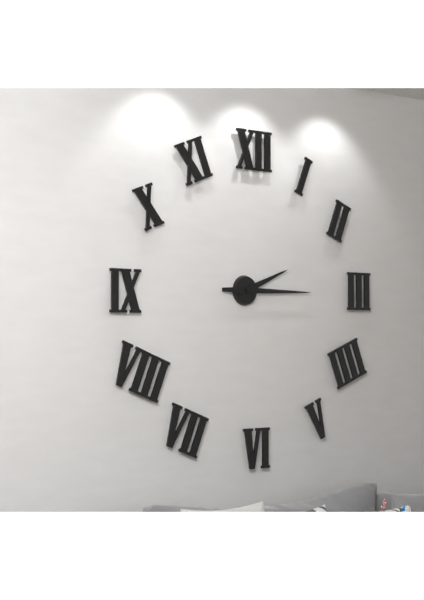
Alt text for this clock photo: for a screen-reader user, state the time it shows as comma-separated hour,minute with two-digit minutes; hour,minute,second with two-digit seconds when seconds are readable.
2,15
